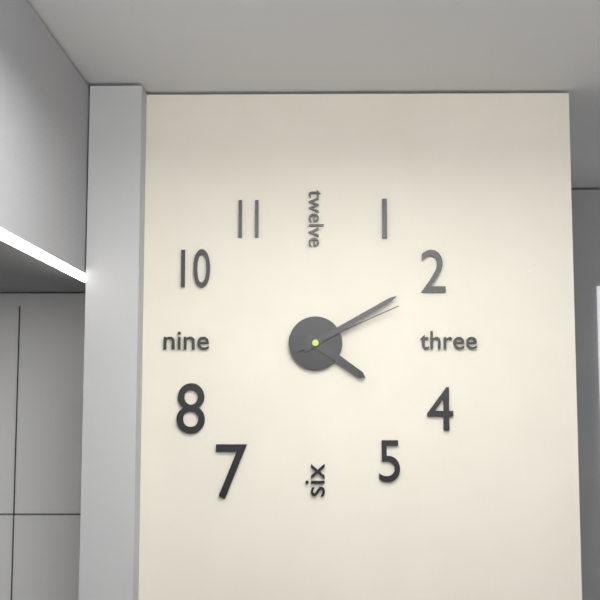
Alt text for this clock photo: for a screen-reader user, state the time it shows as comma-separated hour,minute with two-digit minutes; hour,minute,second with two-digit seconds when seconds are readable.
4,10,11
